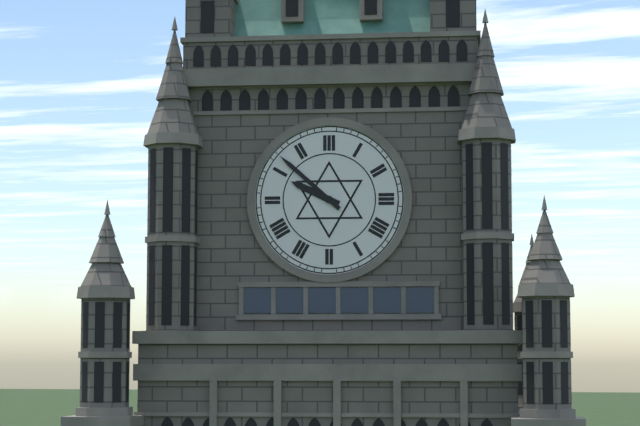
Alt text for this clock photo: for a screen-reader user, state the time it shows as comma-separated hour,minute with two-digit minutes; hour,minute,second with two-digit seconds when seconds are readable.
9,52
